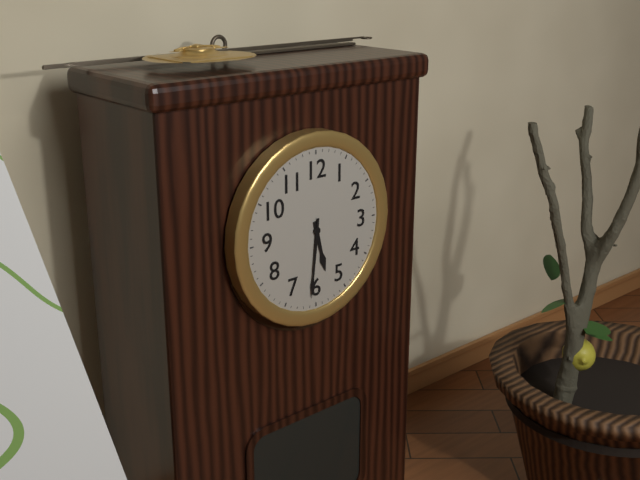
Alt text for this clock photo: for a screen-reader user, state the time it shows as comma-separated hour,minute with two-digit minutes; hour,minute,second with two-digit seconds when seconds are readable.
5,31
